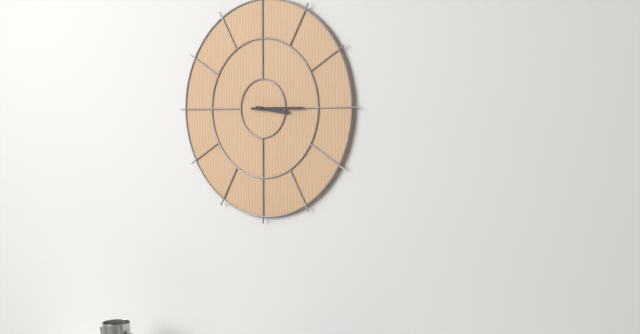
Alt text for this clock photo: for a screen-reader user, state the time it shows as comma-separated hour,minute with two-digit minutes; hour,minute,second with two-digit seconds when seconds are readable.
3,15
